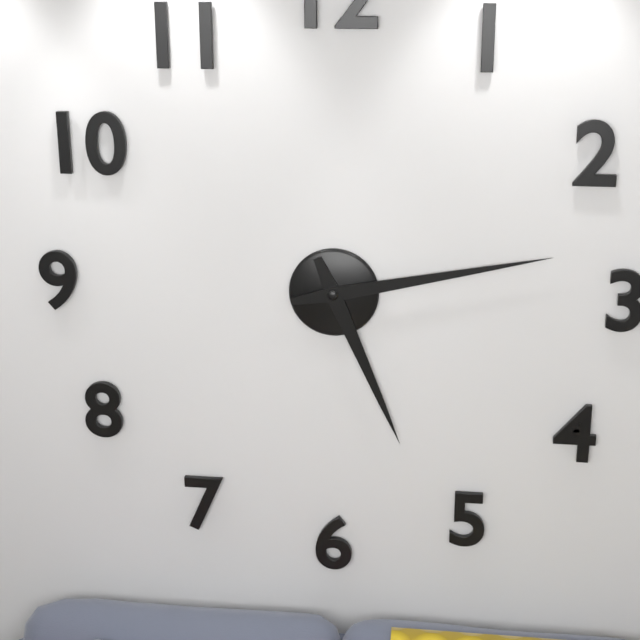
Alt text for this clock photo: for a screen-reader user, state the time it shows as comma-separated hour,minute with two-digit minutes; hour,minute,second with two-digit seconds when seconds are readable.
5,13
